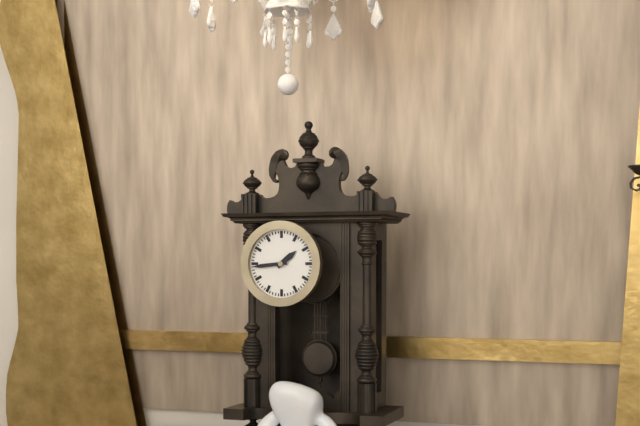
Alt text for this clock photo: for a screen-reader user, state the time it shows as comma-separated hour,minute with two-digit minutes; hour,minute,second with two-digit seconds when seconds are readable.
1,44
